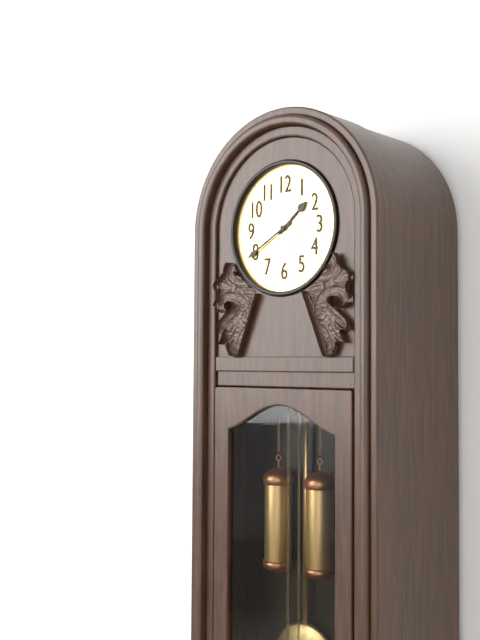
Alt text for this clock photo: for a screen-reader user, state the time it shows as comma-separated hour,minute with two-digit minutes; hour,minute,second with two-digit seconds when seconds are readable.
1,40
